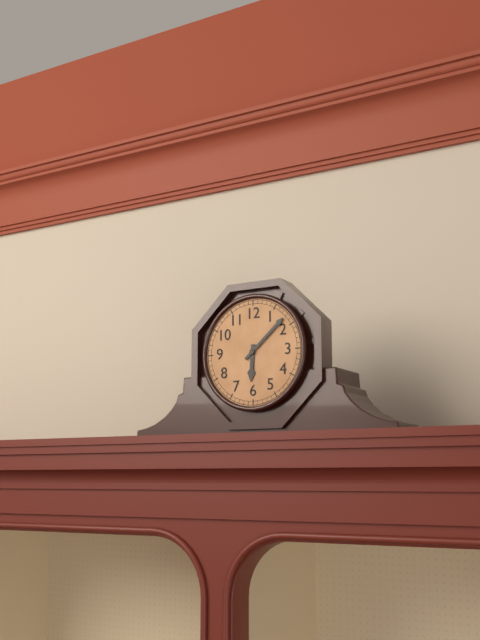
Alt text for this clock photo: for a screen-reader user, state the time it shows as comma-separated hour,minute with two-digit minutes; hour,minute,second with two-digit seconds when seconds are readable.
6,08
